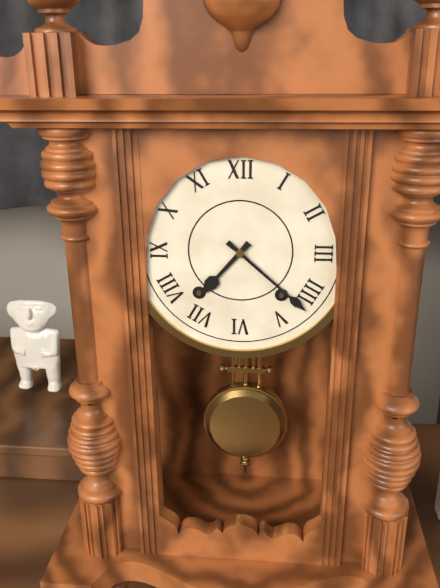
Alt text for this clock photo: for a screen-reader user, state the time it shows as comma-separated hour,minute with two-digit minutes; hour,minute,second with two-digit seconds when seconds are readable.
7,22
